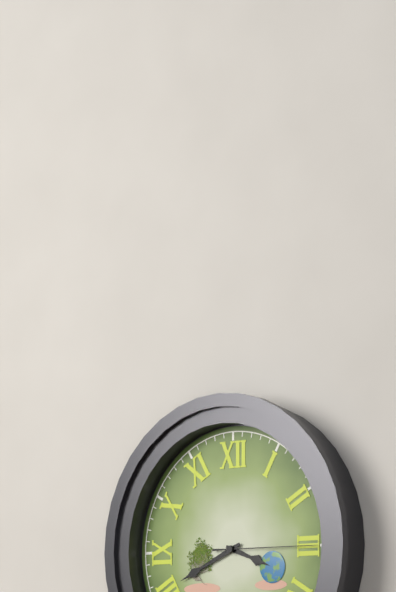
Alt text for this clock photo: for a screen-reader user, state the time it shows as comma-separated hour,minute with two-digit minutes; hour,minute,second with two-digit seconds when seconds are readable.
3,41,15
